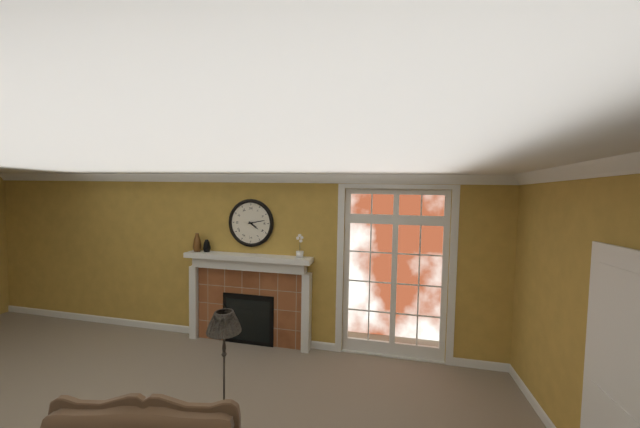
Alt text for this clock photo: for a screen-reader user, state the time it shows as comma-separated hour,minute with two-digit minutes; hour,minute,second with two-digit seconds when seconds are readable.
4,13
